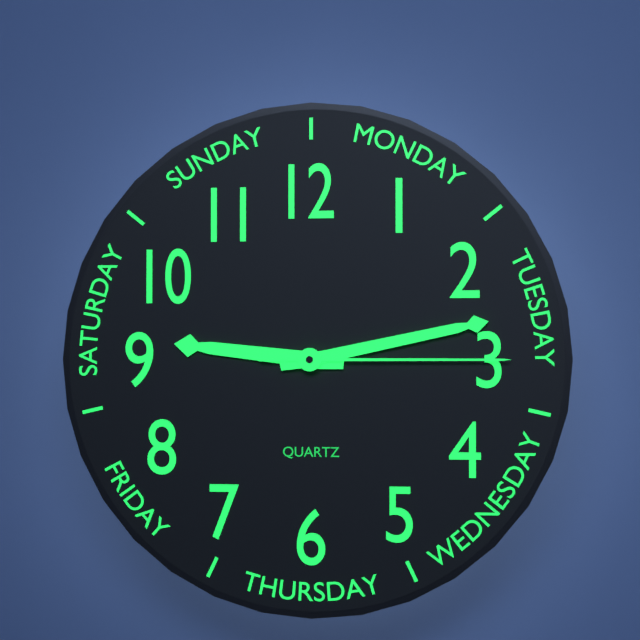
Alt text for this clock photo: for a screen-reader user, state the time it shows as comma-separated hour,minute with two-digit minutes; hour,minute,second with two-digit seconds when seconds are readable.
9,13,15
